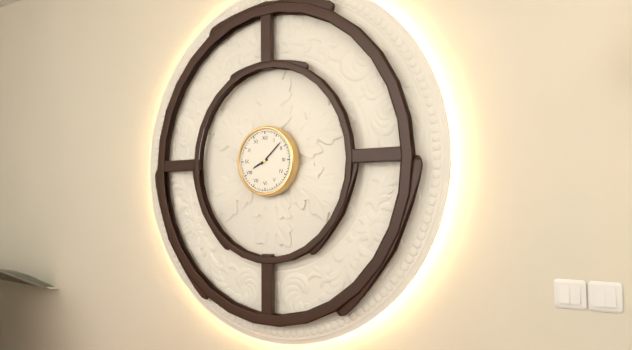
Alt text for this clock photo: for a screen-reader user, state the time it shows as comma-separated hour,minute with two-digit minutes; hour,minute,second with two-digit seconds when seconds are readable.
8,08
